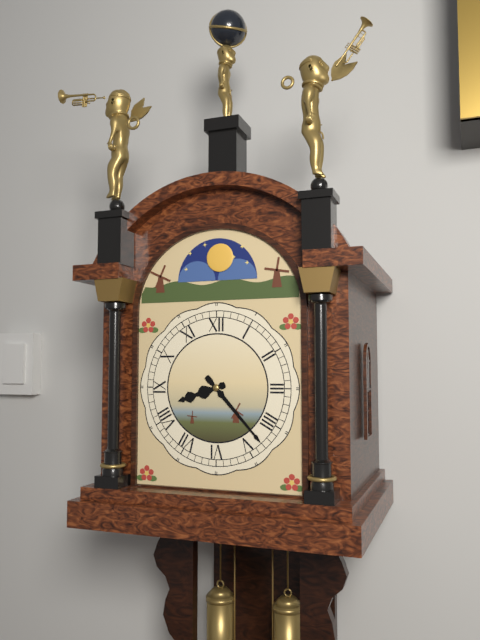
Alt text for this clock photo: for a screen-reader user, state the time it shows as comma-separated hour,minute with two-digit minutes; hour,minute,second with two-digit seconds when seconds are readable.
8,23
